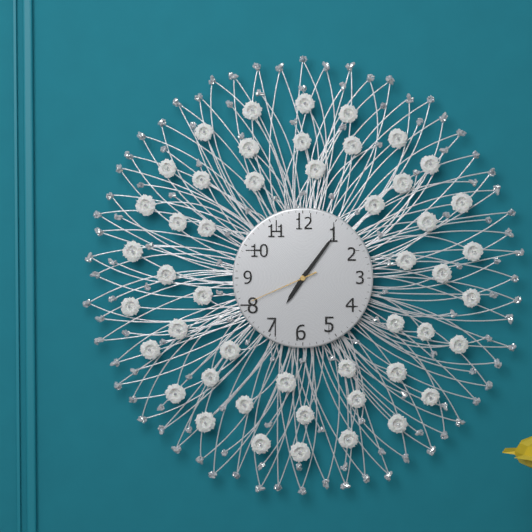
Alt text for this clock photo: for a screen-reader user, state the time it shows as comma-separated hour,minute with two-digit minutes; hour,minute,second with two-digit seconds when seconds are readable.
7,06,41
